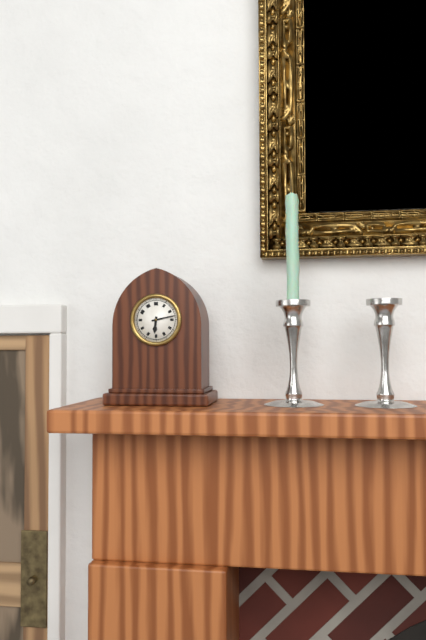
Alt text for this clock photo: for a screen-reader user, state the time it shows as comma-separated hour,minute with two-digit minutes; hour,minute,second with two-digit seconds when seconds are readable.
6,13
